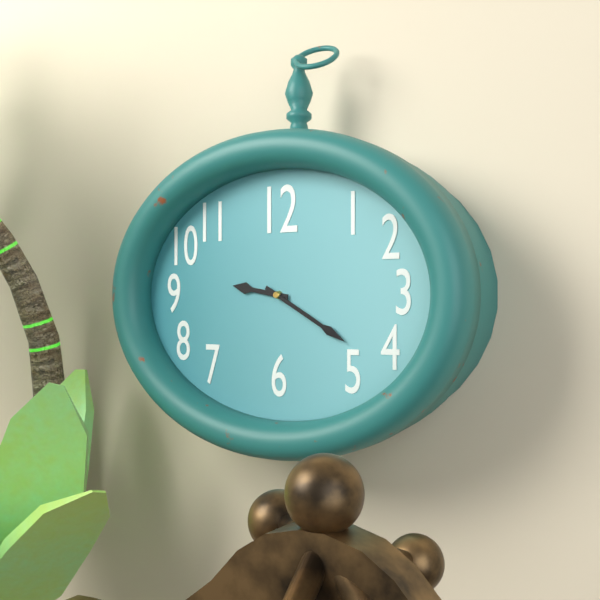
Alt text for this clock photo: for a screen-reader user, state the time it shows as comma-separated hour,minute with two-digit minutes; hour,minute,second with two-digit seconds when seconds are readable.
9,20
